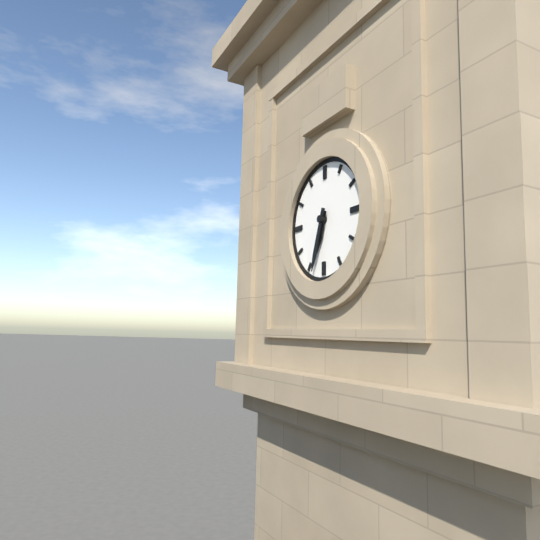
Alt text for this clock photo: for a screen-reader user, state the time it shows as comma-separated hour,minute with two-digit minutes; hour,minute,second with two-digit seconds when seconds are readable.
6,33
